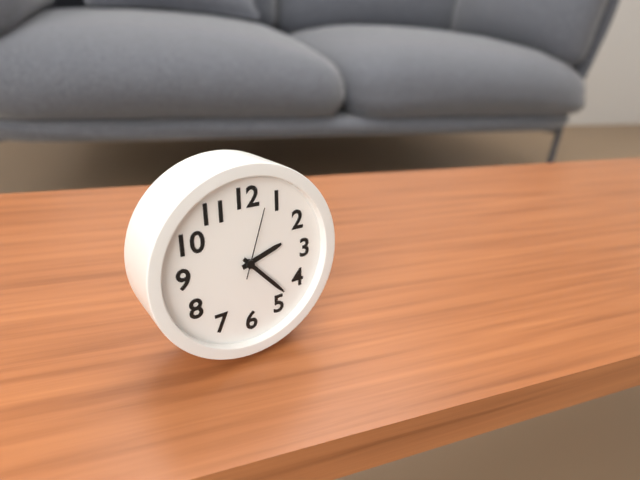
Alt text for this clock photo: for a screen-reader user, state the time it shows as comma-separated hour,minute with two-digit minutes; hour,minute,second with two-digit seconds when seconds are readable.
2,23,03
